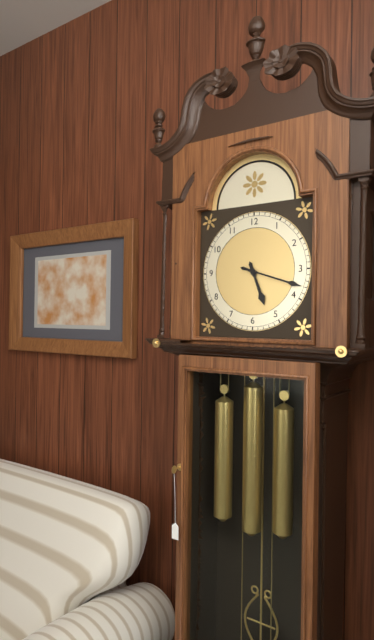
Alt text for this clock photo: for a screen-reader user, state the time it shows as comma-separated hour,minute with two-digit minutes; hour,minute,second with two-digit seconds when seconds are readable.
5,18
